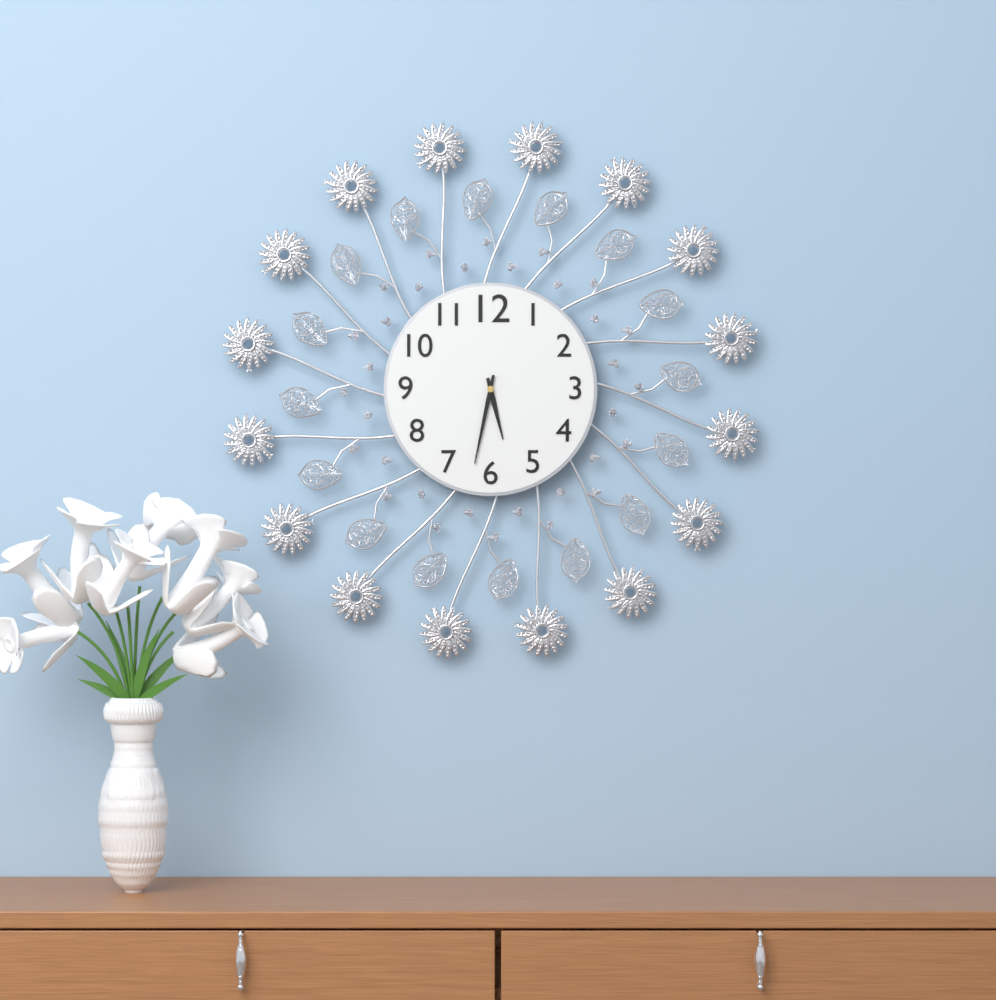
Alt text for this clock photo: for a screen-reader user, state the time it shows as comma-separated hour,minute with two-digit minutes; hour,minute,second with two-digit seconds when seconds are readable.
5,32
